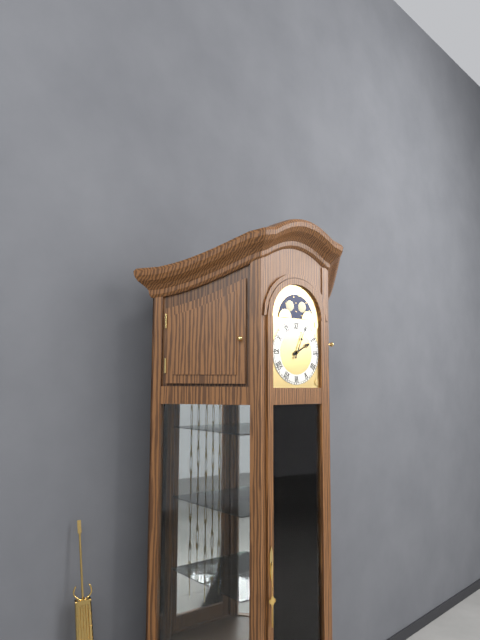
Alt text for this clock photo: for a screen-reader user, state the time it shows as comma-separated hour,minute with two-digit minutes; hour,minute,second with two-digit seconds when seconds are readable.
2,04
